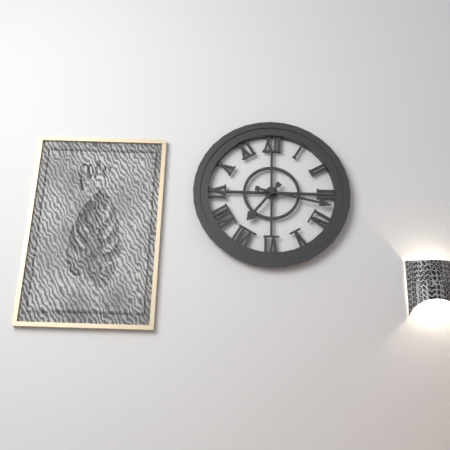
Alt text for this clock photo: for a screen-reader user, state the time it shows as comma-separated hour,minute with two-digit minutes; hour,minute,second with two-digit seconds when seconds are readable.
7,17
